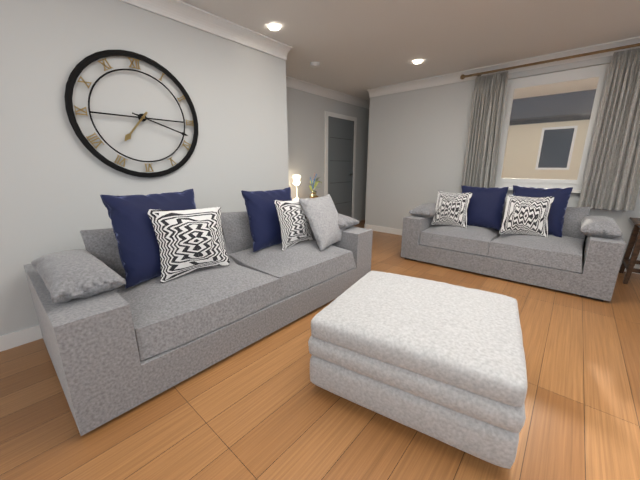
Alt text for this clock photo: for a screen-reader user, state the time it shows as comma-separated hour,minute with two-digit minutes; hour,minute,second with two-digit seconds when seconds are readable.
7,18
